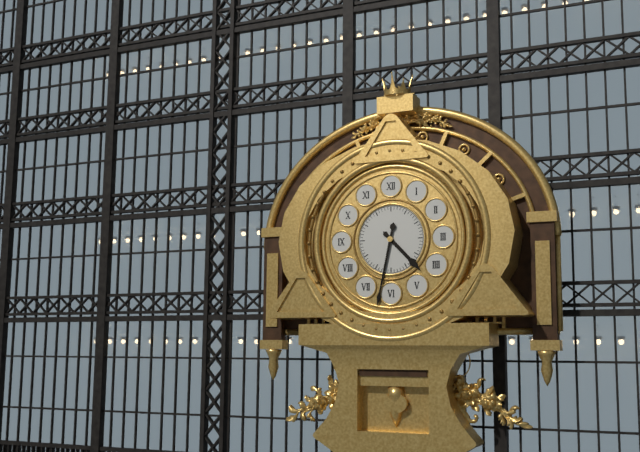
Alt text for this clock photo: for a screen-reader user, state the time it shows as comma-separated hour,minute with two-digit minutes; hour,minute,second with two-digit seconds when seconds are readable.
4,32
